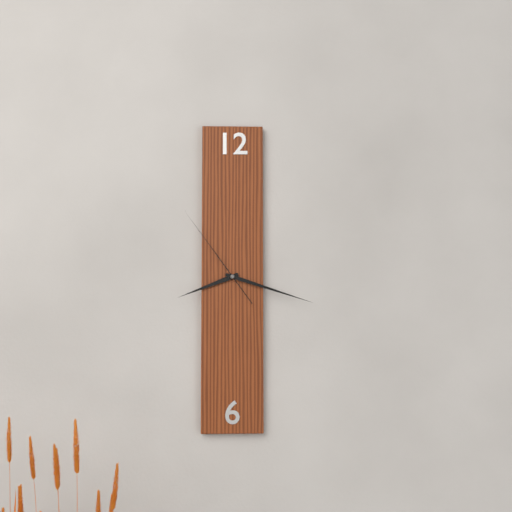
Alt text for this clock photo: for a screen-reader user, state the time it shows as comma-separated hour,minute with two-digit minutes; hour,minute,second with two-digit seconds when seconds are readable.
8,18,54
